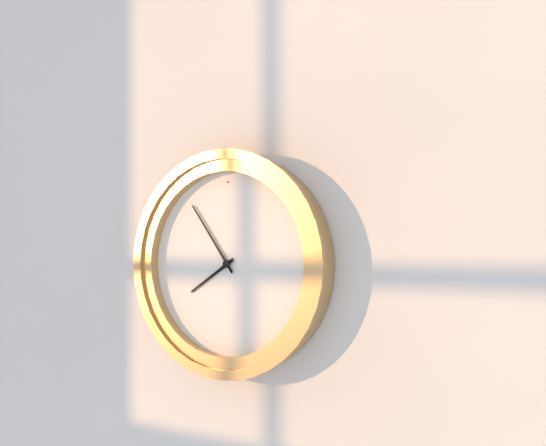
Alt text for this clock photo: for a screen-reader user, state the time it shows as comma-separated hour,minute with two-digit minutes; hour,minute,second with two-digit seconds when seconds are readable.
7,54
